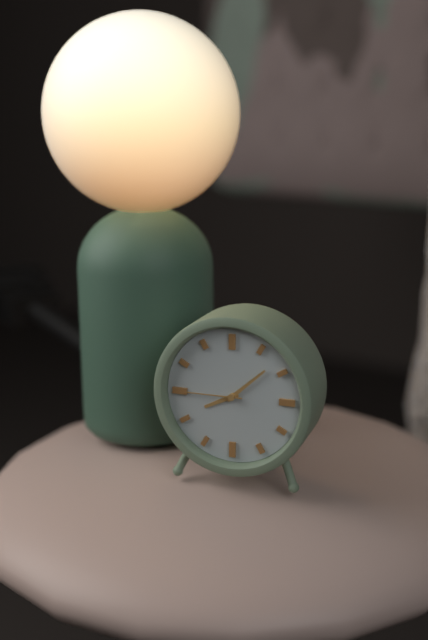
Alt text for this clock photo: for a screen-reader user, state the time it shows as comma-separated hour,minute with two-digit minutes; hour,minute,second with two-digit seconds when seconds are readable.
8,08,45
